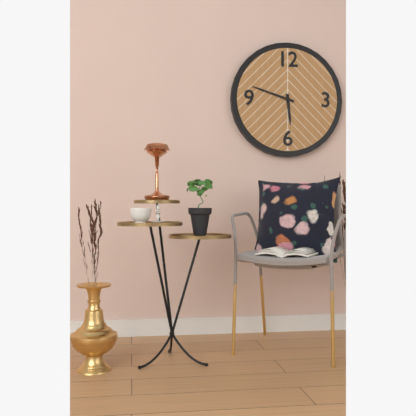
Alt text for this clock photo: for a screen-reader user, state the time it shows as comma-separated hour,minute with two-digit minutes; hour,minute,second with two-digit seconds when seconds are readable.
5,48
